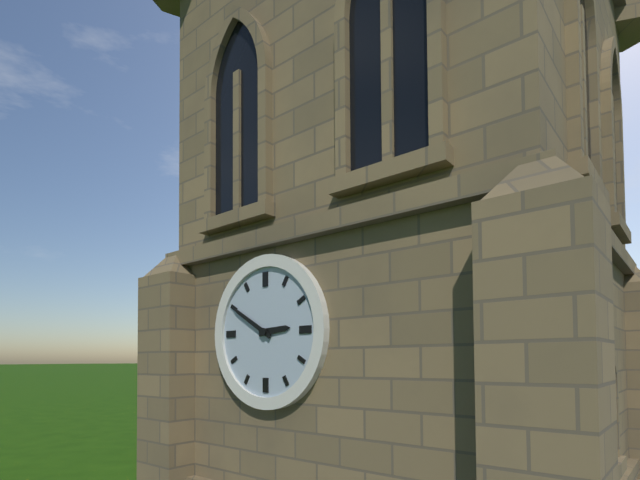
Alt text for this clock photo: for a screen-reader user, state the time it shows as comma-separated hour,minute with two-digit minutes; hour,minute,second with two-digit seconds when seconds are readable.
2,50
